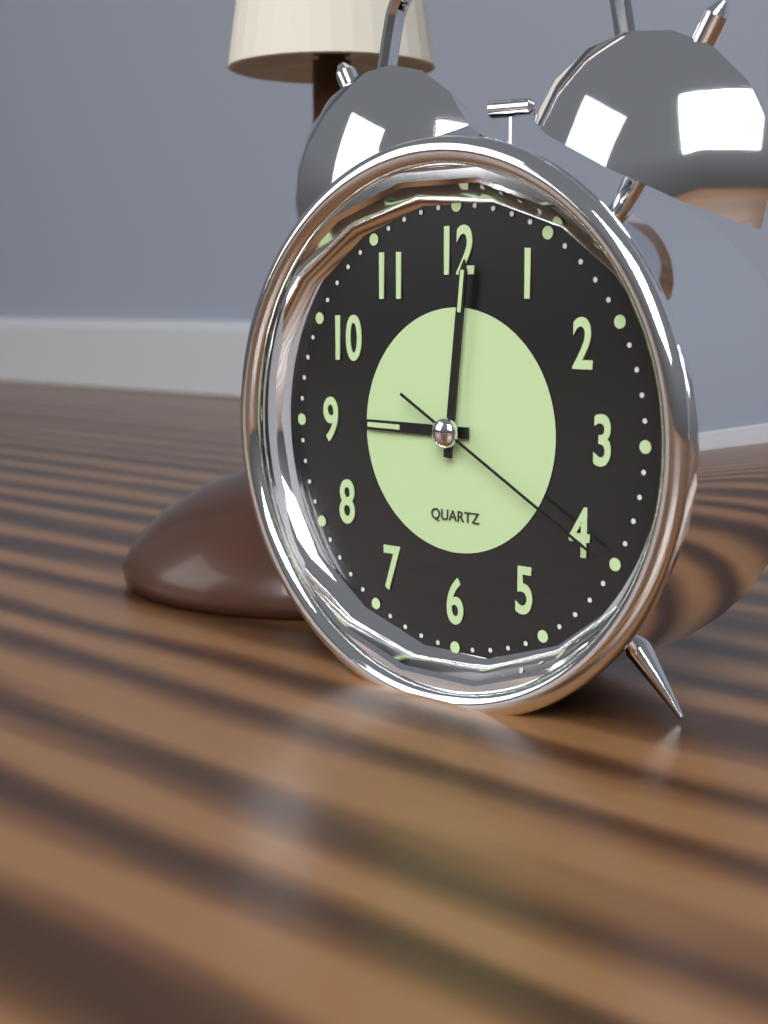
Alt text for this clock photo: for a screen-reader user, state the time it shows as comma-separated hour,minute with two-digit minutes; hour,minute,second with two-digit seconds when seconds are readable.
9,01,20
